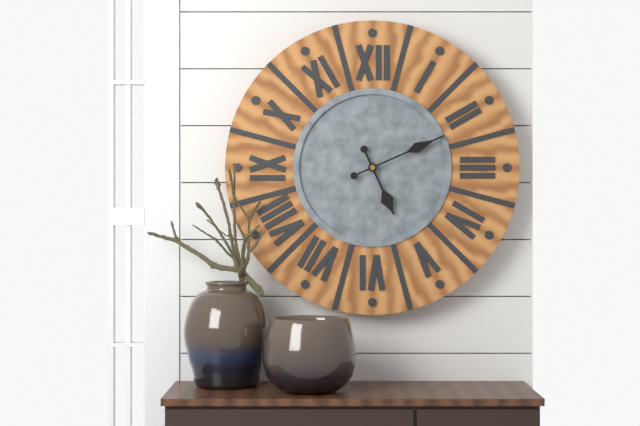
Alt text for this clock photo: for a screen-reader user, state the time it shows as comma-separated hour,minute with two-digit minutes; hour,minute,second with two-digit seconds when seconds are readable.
5,11
